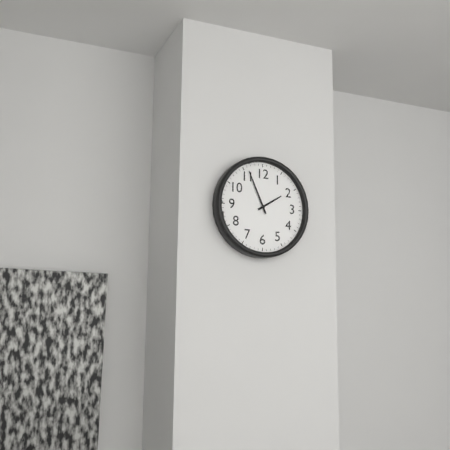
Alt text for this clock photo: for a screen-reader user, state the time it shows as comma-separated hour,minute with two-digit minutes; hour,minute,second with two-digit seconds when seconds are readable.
1,56
